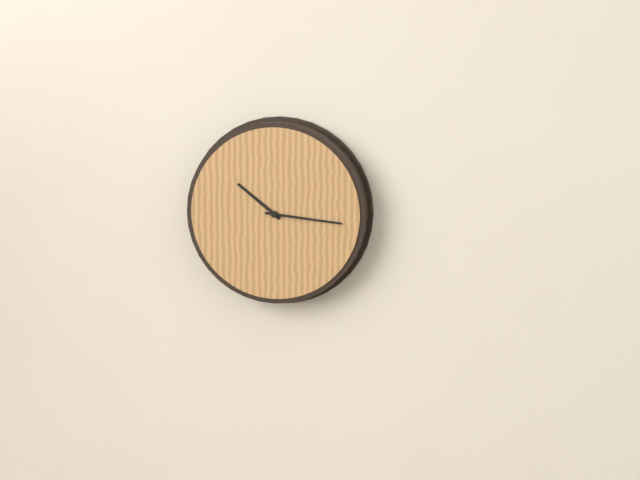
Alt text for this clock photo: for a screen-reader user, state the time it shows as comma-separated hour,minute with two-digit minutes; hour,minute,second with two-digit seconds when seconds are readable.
10,16
